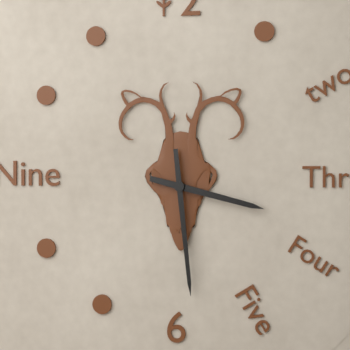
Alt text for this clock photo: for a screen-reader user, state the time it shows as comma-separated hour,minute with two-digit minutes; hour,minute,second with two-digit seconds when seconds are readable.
3,29
